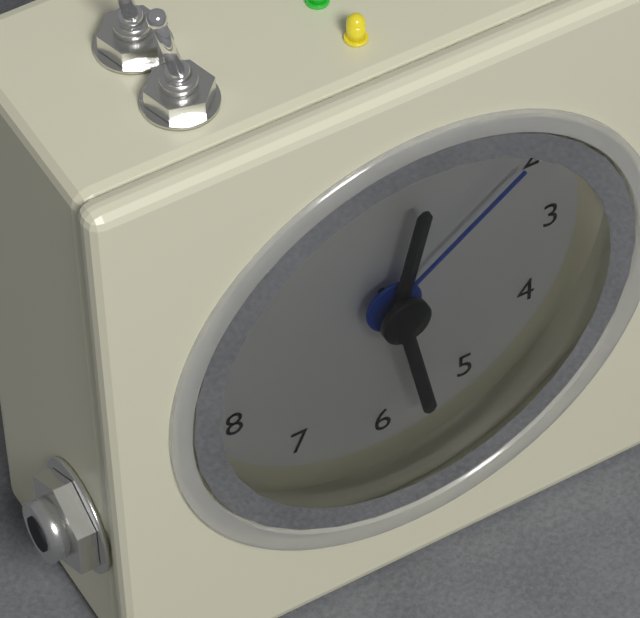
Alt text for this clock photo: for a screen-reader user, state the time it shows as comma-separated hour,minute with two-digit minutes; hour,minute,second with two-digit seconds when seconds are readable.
12,28,09
